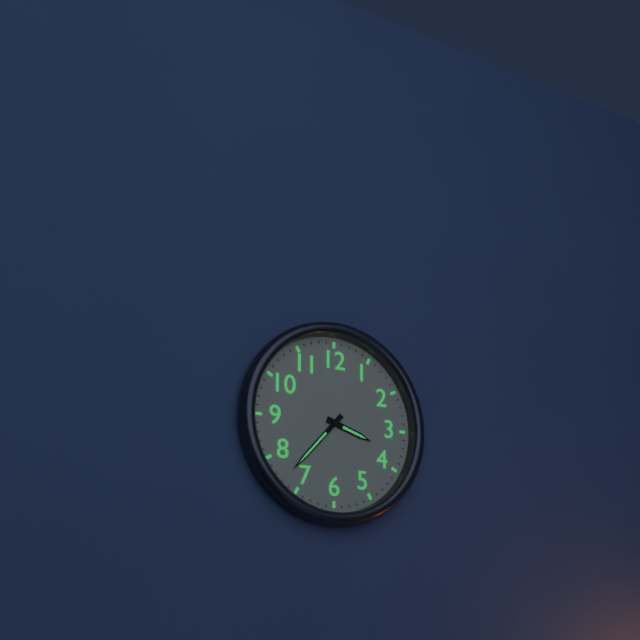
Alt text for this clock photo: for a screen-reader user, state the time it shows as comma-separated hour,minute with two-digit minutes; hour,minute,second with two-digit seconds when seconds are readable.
3,37
